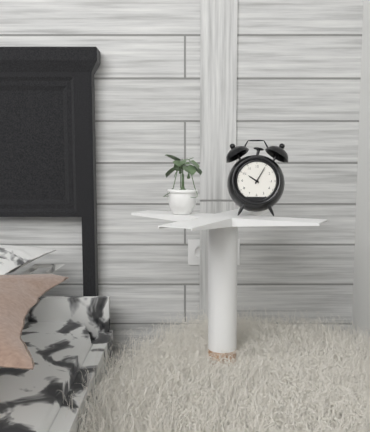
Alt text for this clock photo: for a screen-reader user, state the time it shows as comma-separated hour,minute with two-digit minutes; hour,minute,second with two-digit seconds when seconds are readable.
10,05
